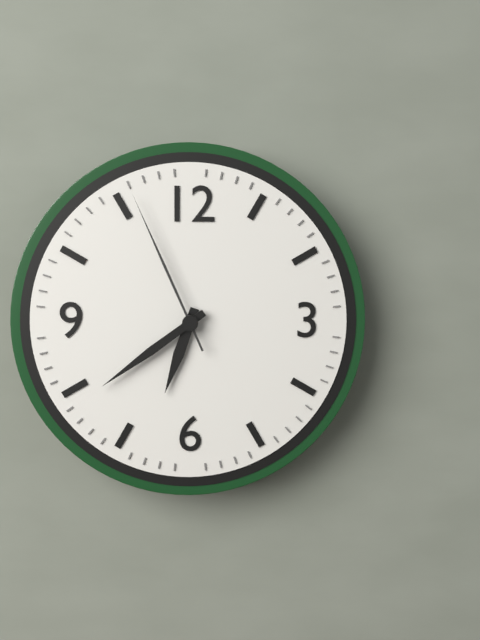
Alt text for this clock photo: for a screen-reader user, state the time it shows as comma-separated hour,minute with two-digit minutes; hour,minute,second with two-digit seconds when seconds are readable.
6,39,56
